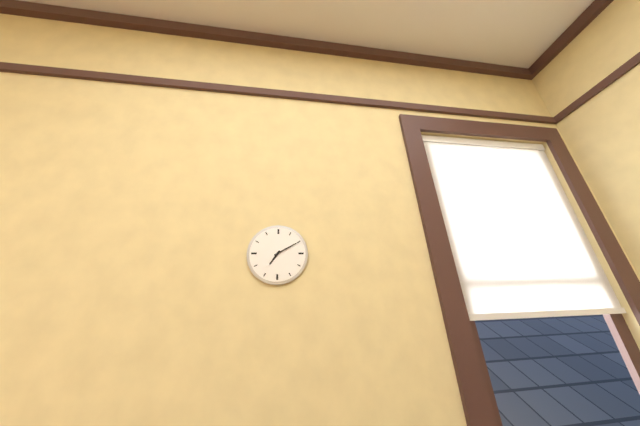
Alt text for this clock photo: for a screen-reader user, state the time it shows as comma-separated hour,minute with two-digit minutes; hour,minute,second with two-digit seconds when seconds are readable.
7,10
